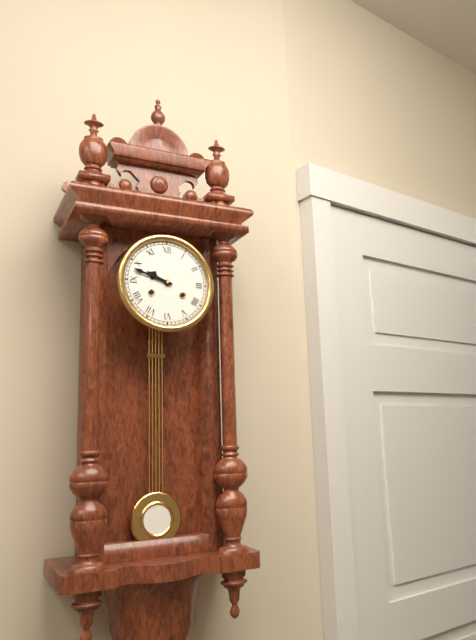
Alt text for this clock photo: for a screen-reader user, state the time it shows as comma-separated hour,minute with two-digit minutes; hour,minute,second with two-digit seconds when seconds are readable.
9,48
